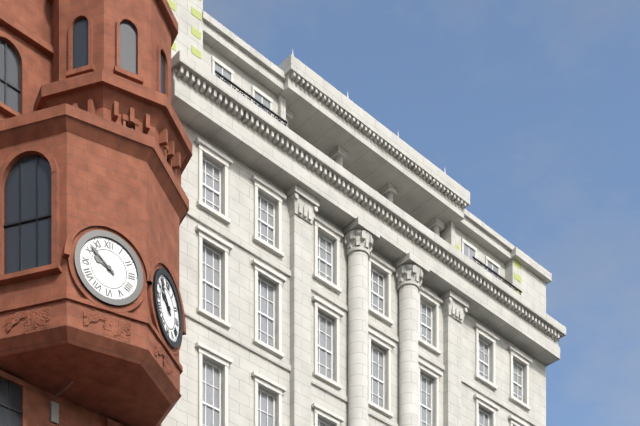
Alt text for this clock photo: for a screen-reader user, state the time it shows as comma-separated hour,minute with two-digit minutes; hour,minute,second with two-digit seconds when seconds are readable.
9,52
